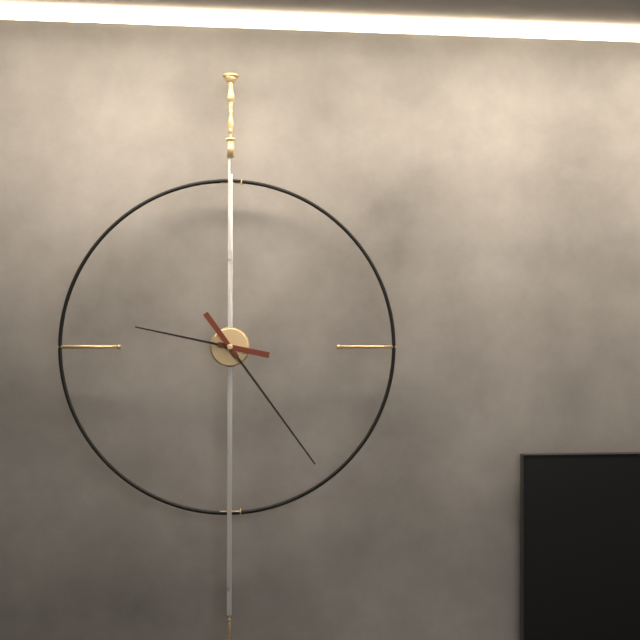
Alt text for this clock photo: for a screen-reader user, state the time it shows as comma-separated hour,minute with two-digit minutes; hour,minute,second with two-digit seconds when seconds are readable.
9,24
